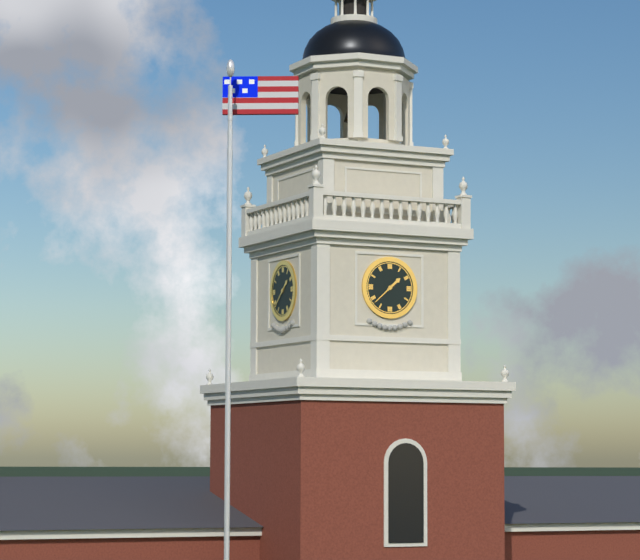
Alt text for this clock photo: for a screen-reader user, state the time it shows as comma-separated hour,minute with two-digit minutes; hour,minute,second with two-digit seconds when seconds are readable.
1,38
